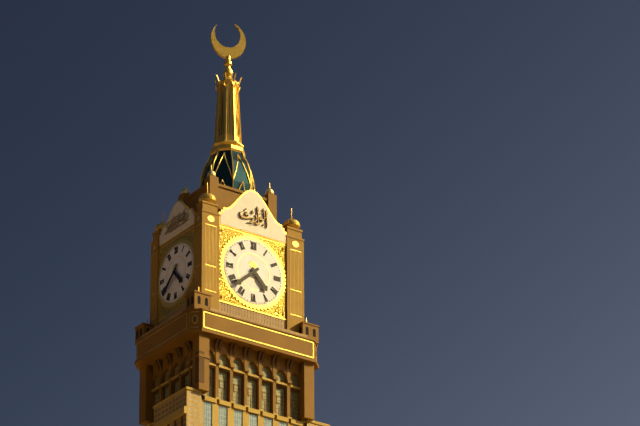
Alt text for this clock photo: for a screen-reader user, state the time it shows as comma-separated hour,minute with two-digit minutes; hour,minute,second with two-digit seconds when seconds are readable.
4,38
